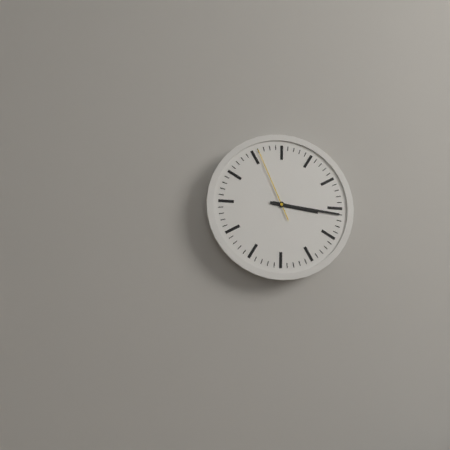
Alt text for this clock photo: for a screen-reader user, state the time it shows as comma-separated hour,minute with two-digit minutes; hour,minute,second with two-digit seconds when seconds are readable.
3,16,56
